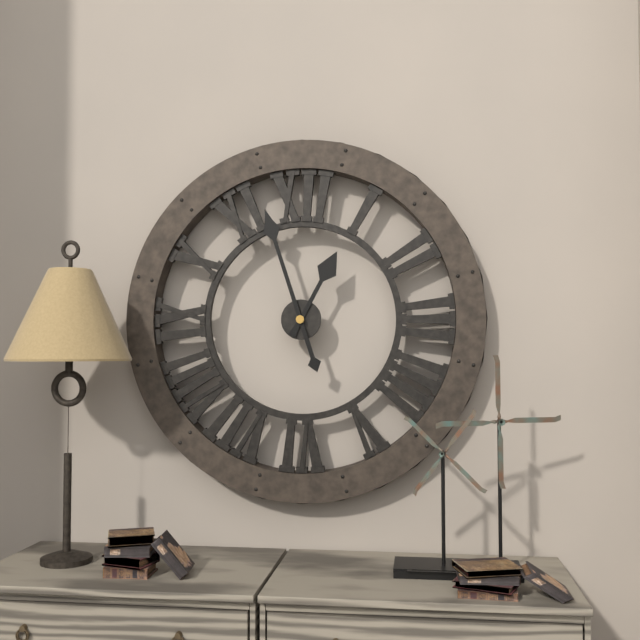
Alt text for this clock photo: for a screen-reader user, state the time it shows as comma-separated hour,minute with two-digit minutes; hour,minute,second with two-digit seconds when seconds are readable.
12,57
